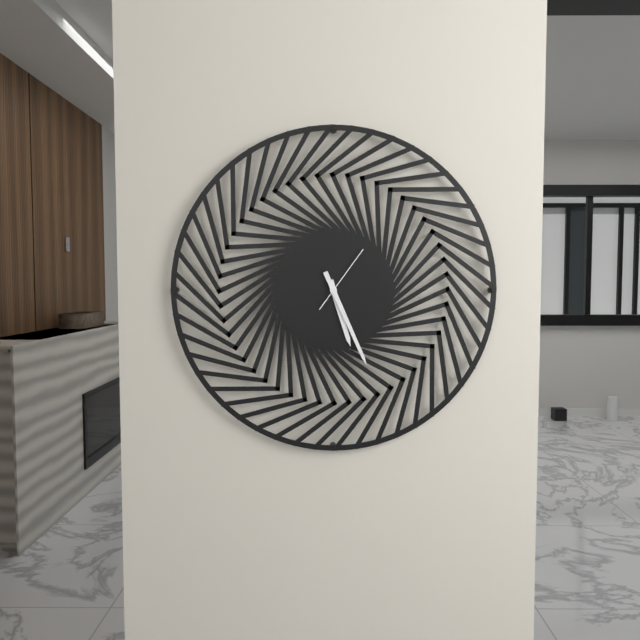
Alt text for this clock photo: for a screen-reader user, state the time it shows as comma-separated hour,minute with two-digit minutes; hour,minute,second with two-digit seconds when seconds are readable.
5,26,06
